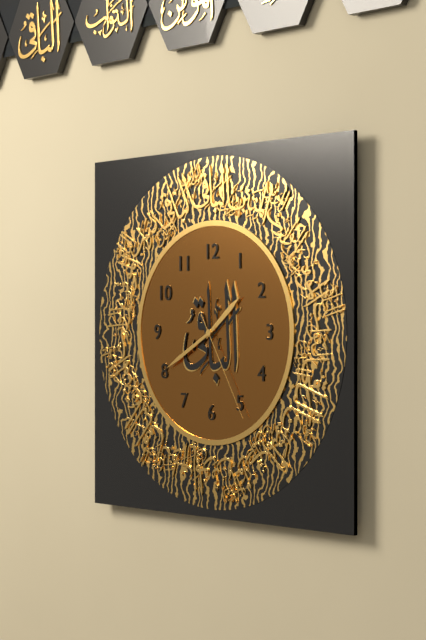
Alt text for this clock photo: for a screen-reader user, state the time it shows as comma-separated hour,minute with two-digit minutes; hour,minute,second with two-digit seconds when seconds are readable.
1,40,25
